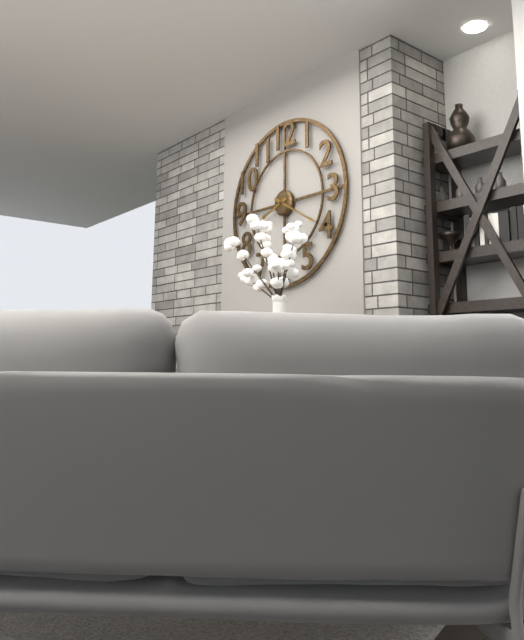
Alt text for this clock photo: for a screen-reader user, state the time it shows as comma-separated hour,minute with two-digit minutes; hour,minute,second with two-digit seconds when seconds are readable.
8,20
